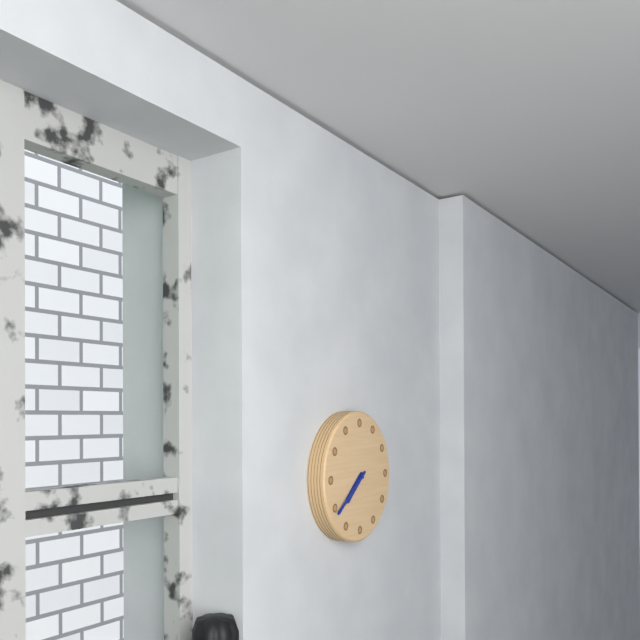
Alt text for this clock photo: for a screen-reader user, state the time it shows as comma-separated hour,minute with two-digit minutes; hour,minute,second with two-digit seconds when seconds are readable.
7,39
